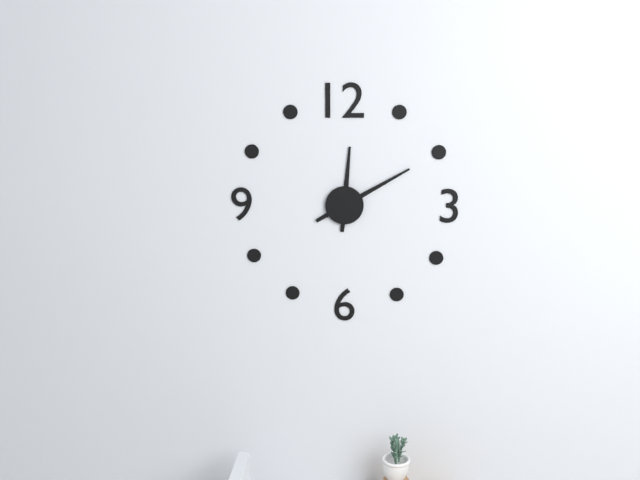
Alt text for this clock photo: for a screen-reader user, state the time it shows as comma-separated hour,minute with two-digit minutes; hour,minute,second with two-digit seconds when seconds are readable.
12,10
